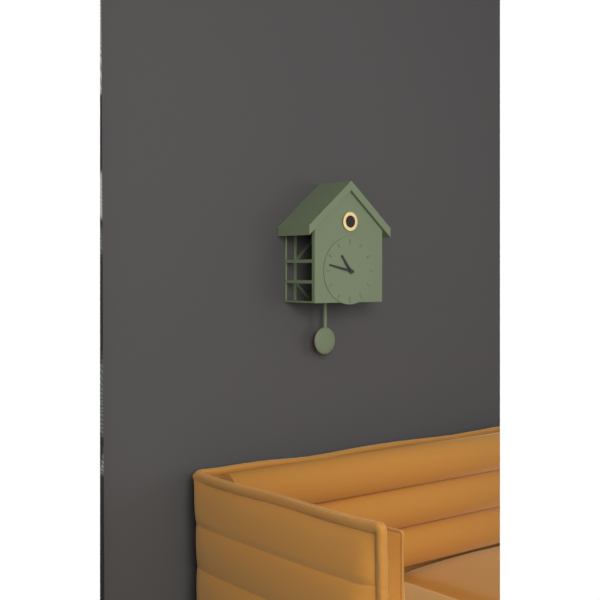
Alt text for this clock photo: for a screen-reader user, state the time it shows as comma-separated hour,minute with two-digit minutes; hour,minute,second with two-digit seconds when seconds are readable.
10,47
